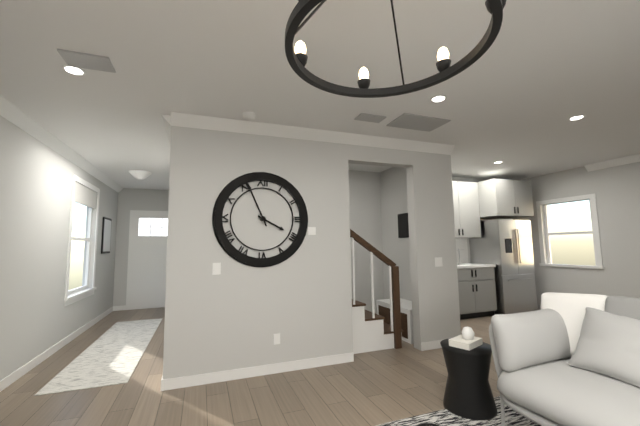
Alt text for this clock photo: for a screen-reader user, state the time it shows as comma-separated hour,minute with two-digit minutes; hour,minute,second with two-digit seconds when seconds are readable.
3,56
